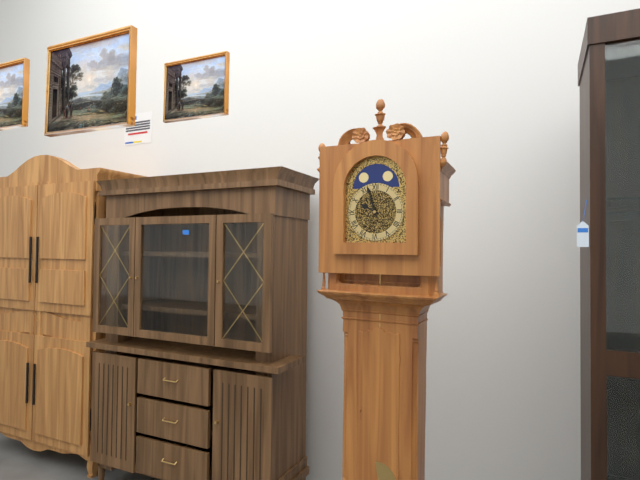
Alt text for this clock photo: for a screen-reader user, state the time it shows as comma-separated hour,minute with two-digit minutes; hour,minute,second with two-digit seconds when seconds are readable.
9,57
